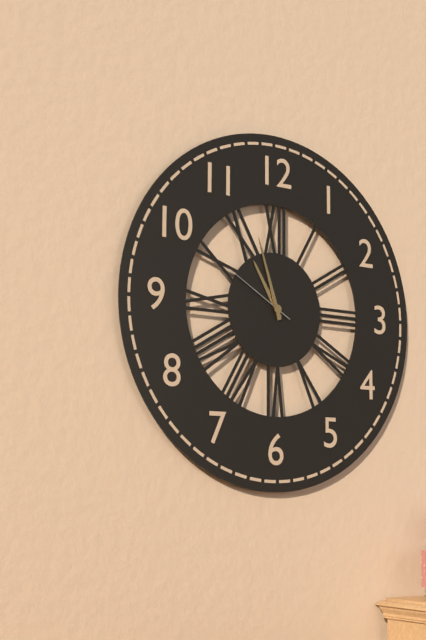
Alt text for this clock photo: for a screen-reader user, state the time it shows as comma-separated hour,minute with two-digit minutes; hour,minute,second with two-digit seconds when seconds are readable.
10,57,50
